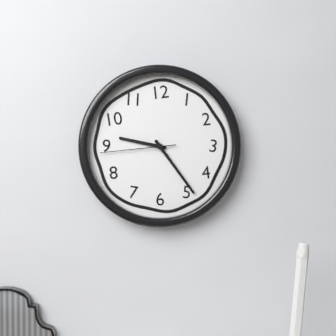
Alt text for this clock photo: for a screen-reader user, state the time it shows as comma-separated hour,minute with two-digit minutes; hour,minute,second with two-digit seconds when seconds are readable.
9,24,44
